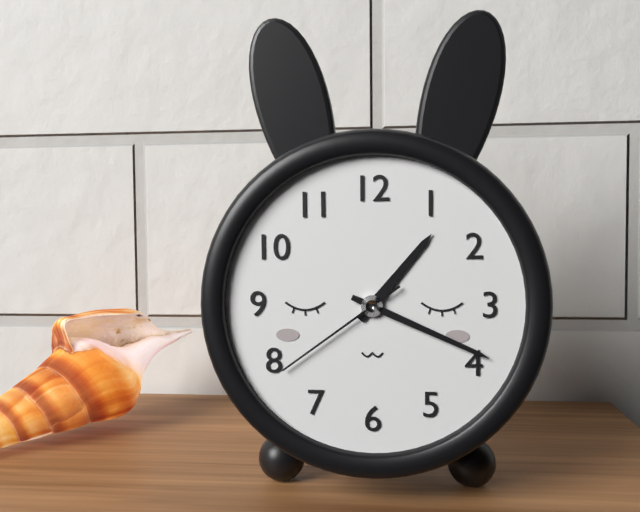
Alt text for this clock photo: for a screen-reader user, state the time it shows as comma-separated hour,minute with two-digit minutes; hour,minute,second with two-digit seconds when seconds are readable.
1,19,39
